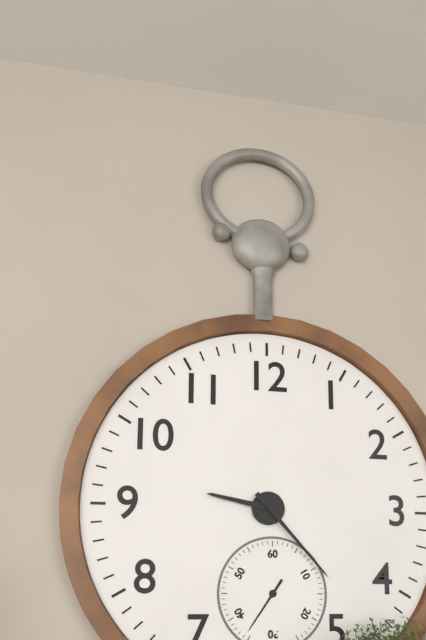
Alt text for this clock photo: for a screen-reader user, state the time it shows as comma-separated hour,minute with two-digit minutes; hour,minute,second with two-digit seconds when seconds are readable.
9,23
